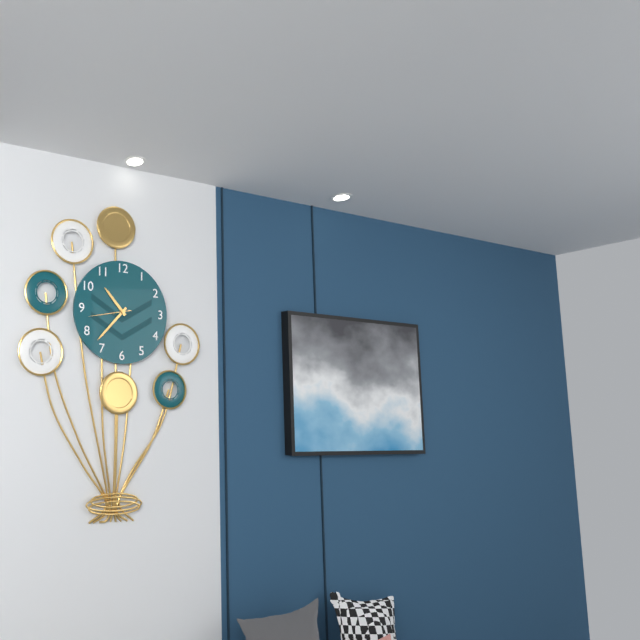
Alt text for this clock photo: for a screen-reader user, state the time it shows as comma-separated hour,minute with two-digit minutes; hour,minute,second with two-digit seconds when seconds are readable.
10,37
